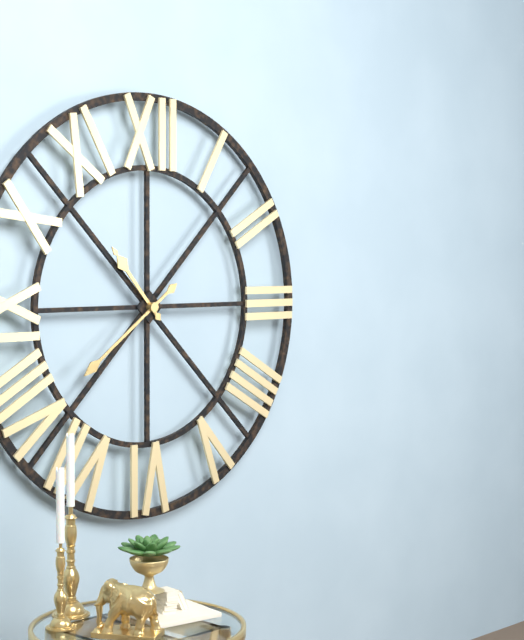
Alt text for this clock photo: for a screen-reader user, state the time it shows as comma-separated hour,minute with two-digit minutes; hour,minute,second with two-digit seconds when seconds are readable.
10,39
